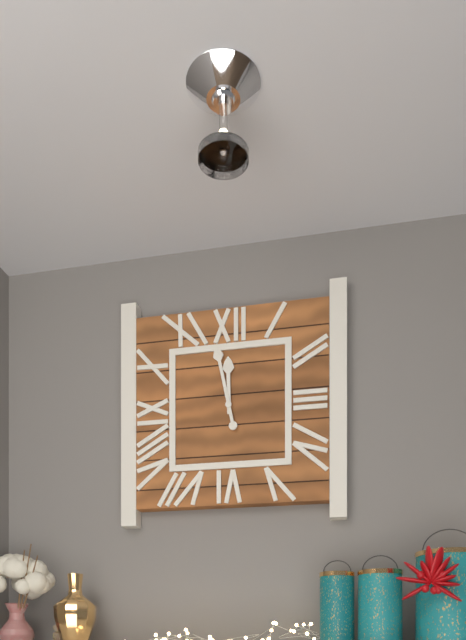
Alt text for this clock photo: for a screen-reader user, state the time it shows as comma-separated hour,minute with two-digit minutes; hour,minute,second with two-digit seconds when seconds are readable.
11,58
